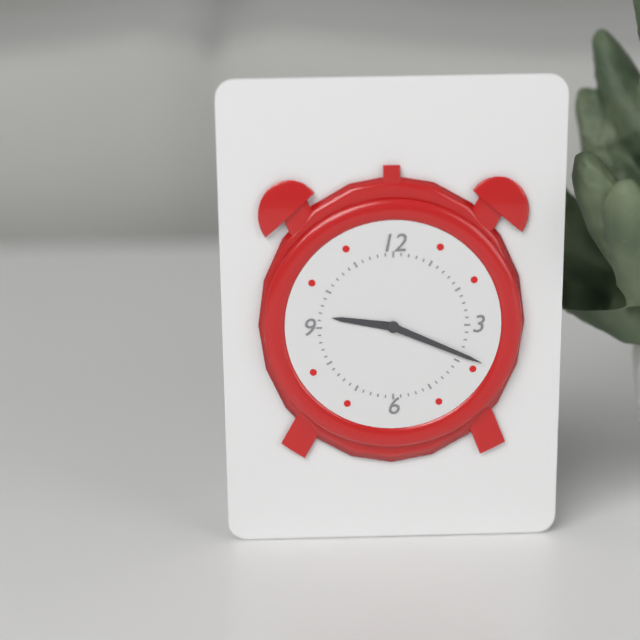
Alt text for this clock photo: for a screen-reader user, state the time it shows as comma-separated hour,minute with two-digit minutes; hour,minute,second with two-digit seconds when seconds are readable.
9,19
